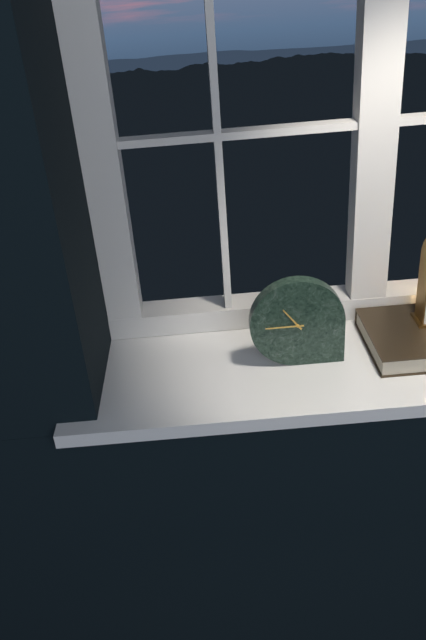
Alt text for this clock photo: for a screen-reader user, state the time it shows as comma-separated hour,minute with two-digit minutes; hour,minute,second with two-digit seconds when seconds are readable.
10,45
